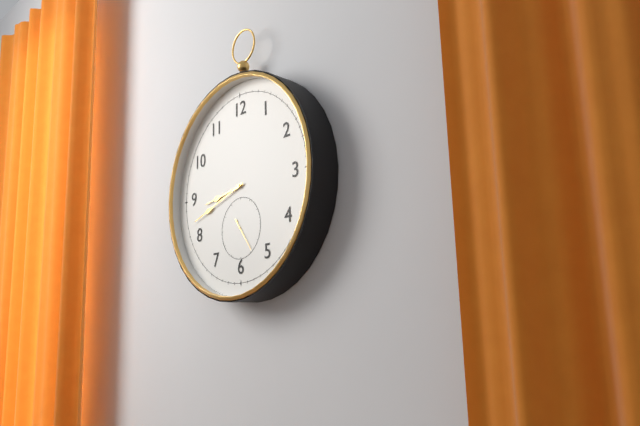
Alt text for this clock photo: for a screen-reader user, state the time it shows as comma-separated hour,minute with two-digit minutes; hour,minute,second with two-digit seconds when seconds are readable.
8,42
